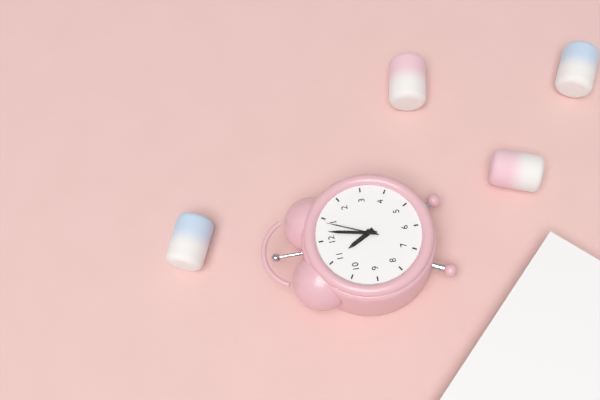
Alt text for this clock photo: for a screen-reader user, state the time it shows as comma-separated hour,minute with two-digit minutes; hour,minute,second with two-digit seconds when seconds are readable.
11,02,04
